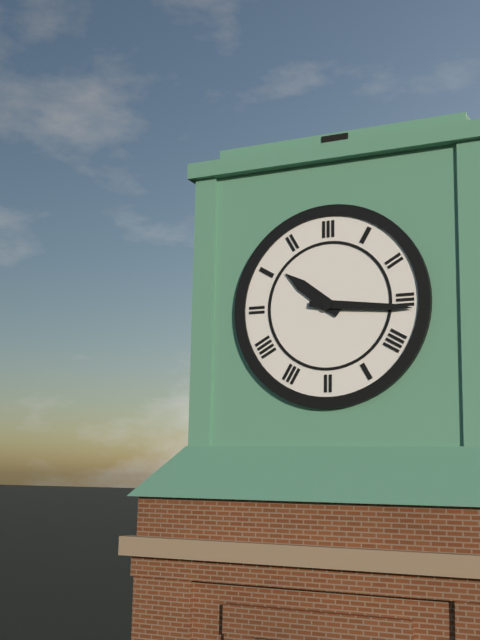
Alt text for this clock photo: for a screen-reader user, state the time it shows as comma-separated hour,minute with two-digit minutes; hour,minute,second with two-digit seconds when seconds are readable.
10,16
